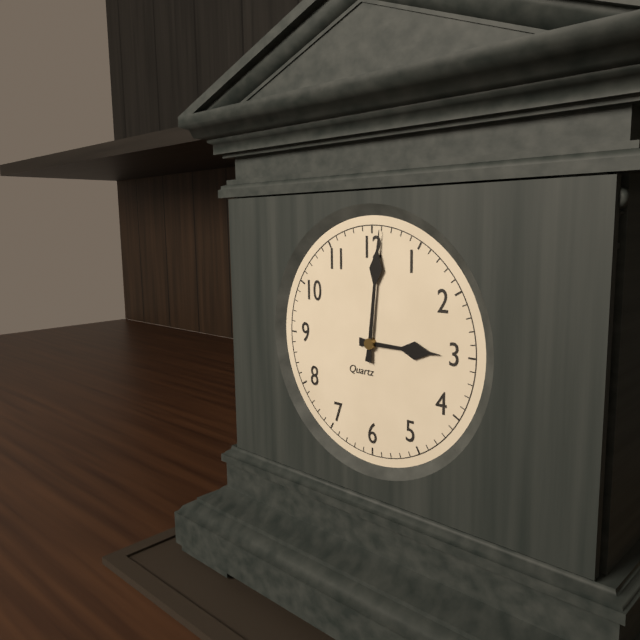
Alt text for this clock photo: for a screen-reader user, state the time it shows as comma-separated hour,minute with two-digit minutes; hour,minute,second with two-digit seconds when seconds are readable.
3,01
